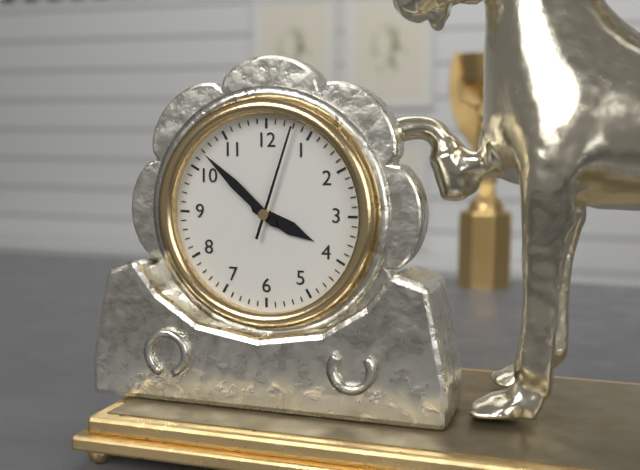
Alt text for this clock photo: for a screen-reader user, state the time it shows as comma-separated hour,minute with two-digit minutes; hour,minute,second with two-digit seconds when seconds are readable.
3,52,03
